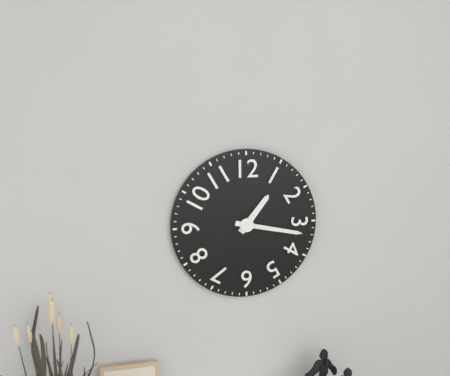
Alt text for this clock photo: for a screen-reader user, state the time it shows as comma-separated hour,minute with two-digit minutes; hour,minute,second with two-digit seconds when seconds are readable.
1,17
